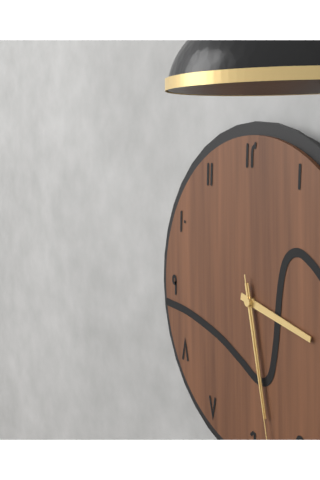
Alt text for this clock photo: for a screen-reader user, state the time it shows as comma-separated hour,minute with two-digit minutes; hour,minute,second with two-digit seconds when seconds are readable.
3,28,28
